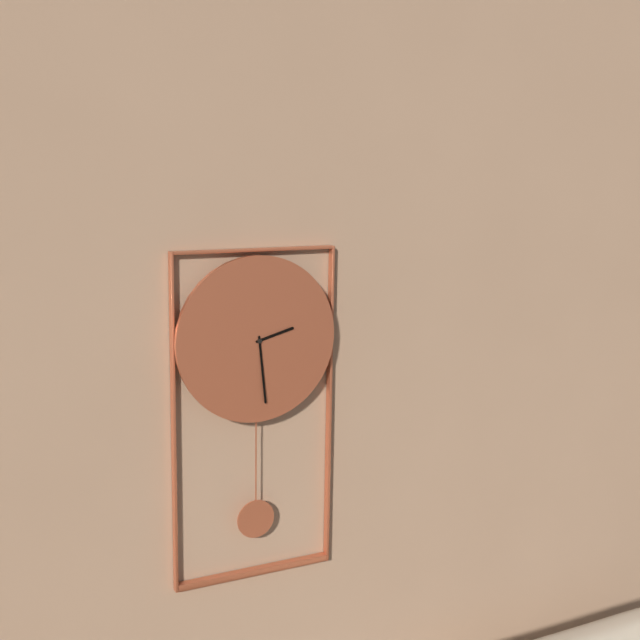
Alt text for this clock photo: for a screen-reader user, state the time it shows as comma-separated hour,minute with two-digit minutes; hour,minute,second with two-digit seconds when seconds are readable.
2,29
